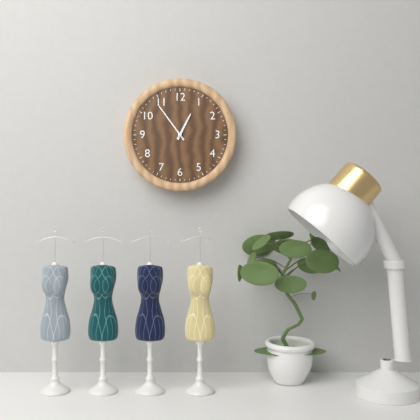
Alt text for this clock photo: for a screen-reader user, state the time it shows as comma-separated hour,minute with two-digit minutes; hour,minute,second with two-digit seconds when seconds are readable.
12,54
